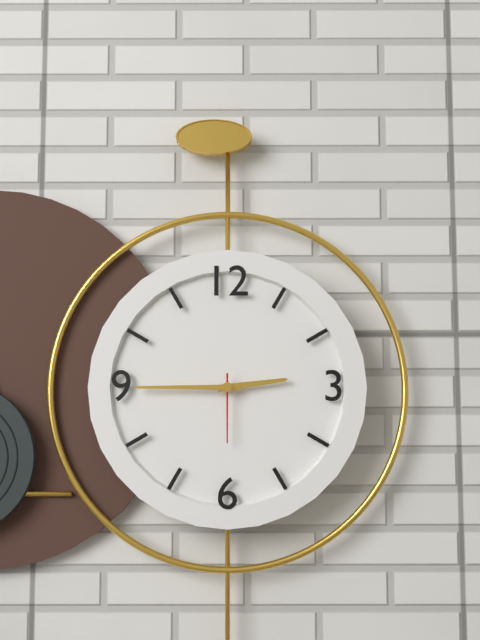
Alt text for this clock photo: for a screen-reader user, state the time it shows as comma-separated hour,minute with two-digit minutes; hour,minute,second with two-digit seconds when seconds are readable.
2,45,30
